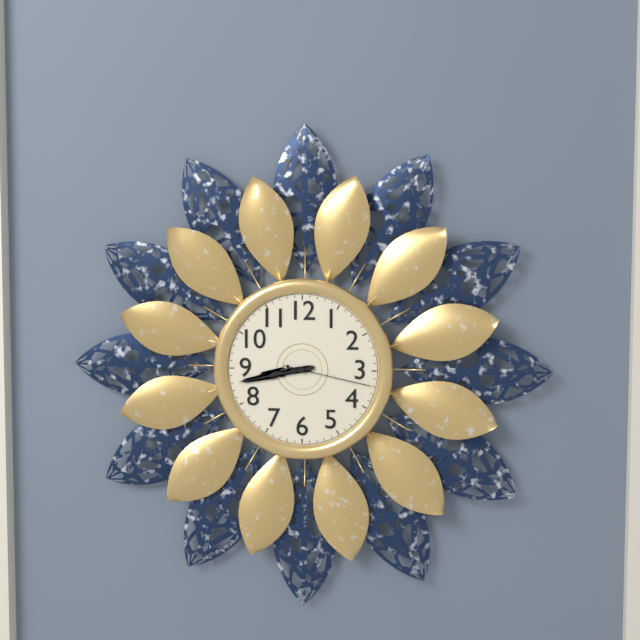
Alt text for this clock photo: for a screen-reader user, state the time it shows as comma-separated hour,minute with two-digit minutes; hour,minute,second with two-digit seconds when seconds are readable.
8,43,17
